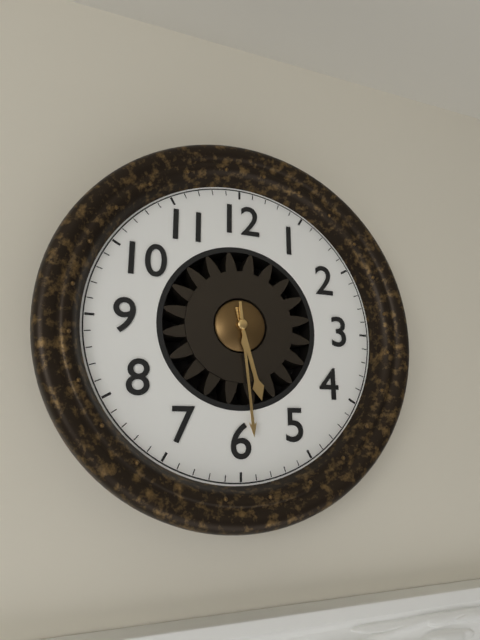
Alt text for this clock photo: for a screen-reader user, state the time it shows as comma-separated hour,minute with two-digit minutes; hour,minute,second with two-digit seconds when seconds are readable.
5,29
